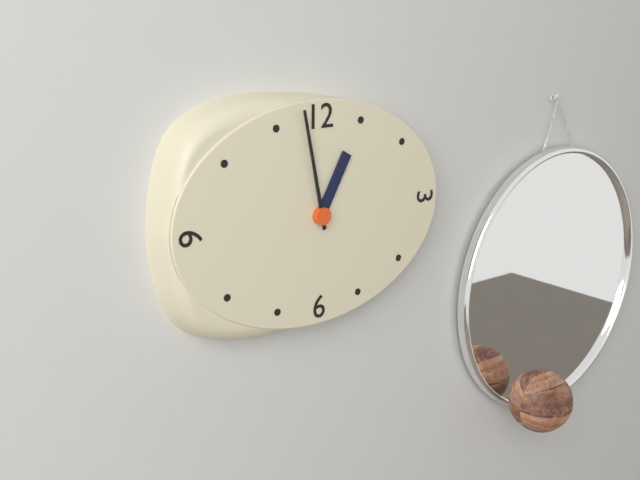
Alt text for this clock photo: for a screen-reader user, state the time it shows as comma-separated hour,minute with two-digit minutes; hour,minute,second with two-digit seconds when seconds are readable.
12,58
